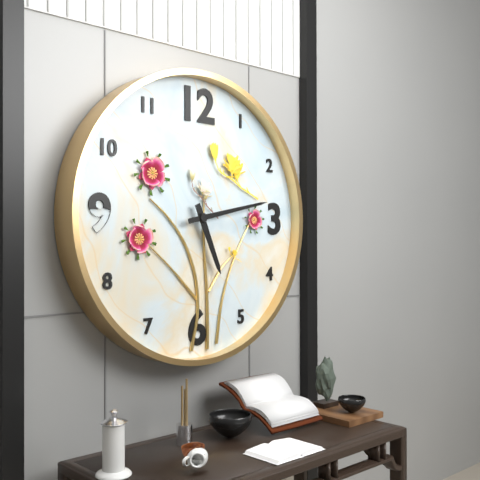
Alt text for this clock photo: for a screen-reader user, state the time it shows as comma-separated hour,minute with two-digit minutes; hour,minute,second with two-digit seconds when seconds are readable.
5,13
